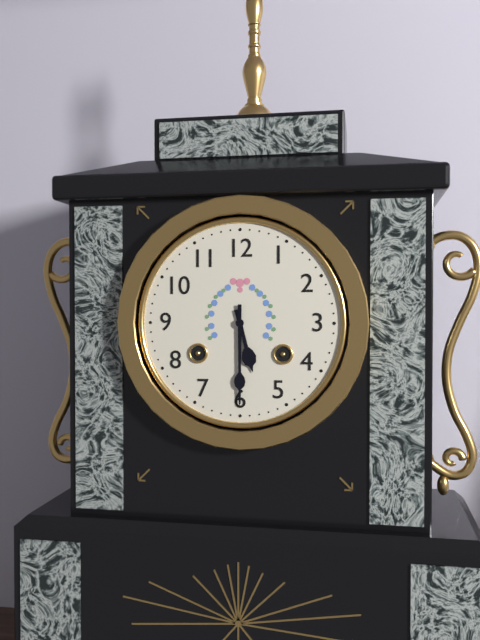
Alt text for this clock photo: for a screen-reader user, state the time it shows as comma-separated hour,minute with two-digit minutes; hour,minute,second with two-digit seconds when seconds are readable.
5,30
